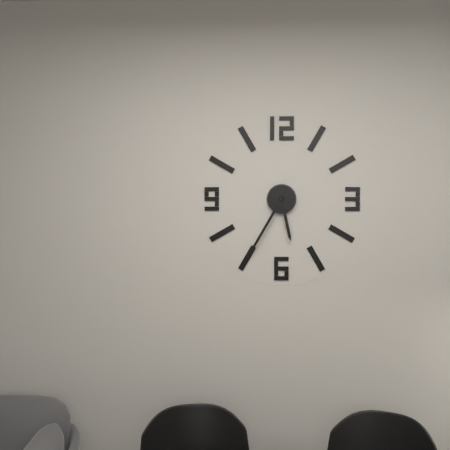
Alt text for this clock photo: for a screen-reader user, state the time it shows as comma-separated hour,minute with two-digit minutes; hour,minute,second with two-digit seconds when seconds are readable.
5,35
